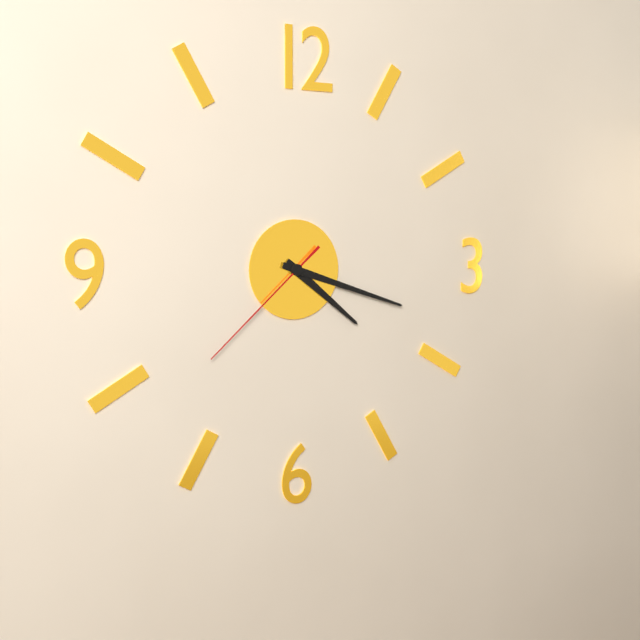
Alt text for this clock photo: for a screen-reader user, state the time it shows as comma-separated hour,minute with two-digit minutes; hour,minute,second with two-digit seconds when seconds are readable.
4,18,38
